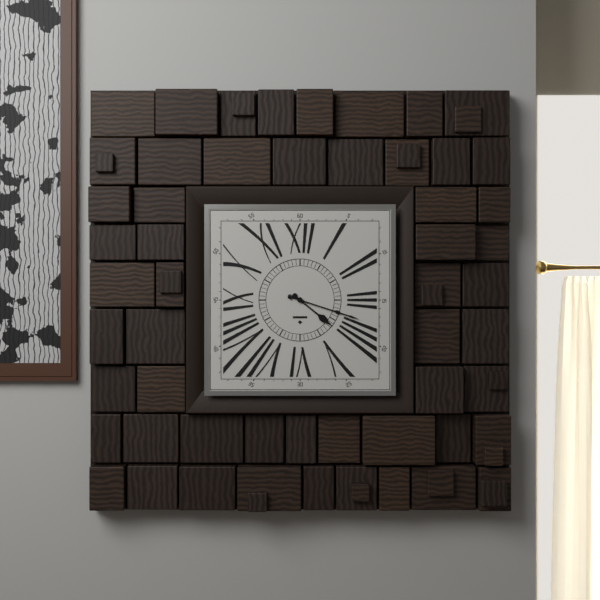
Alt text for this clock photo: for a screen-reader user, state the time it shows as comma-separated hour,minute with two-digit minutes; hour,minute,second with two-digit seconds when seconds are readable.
4,18
